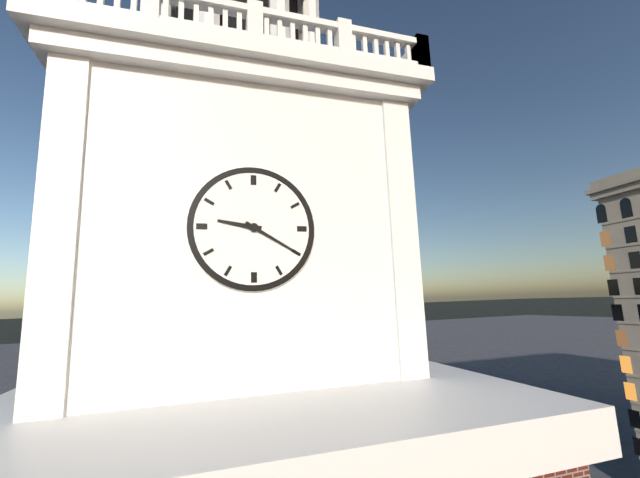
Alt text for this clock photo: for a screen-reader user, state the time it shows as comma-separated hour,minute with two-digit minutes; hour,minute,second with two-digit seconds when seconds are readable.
9,20
